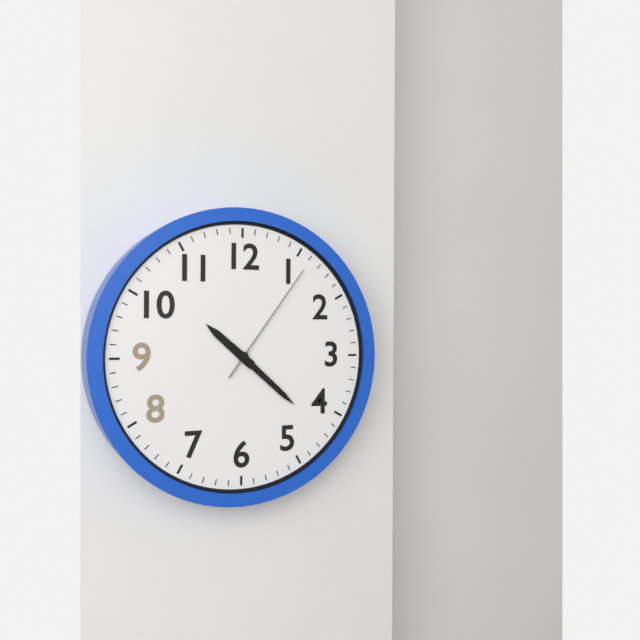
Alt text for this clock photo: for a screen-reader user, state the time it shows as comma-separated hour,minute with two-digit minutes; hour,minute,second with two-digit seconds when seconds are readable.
10,22,06
